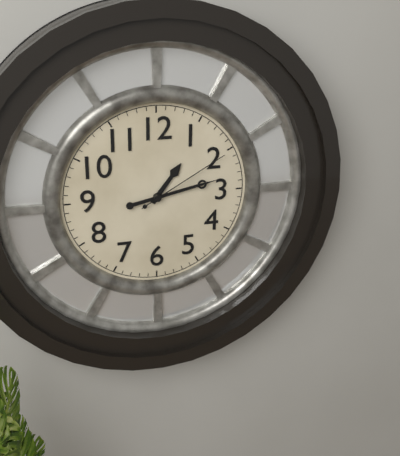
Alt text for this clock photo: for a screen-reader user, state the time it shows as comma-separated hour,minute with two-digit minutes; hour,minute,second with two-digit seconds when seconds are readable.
1,13,10
